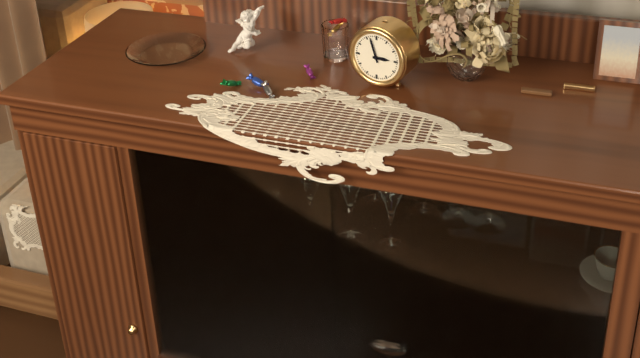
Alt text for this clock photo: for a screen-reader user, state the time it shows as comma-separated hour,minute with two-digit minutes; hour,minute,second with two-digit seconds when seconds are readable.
2,57
